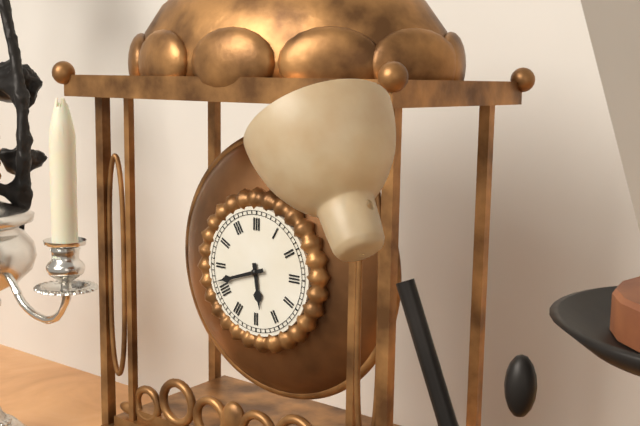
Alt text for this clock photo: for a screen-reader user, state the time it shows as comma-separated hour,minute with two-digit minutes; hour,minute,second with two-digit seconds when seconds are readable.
5,42
